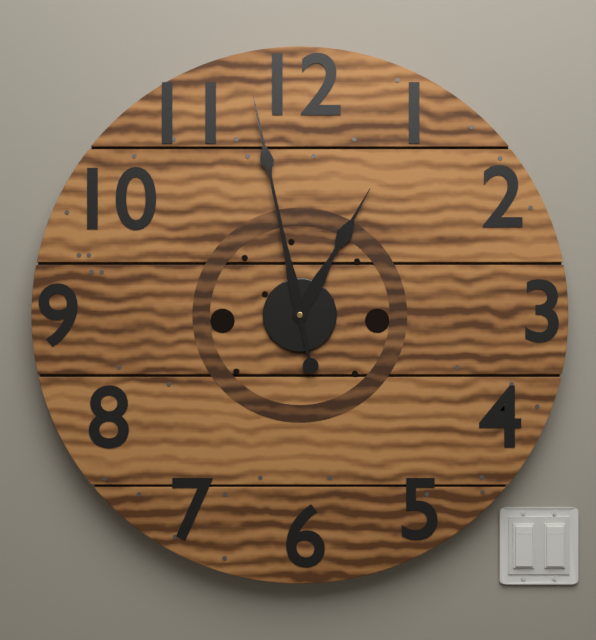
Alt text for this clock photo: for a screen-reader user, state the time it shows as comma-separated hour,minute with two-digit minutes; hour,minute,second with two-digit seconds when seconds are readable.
12,58
